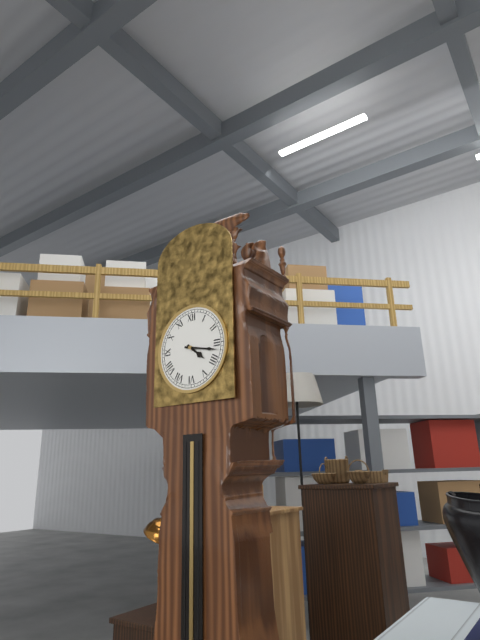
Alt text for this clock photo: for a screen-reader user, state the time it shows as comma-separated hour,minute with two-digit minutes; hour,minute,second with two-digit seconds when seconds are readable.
4,17
